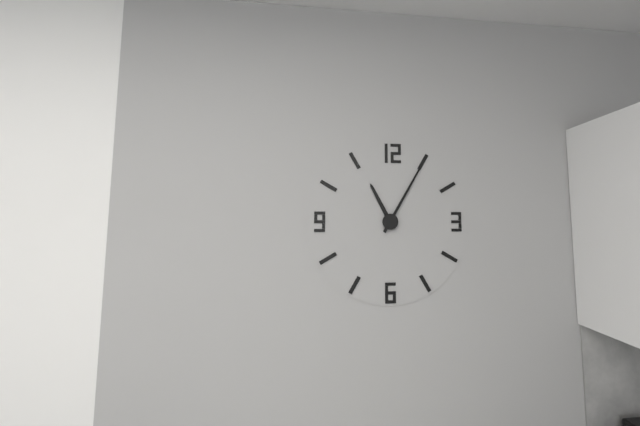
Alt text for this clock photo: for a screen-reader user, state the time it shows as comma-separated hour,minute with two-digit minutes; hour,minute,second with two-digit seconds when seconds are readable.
11,05
